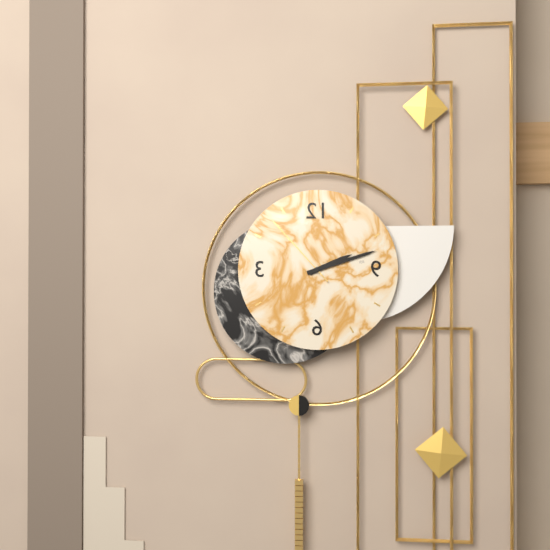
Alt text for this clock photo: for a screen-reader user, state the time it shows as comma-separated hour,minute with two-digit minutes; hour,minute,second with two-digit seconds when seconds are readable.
2,12,53
